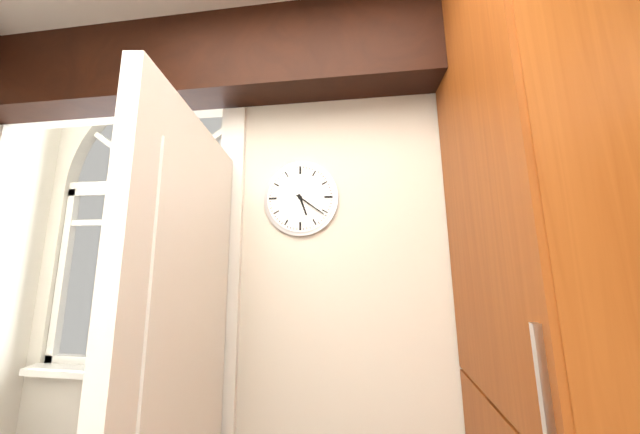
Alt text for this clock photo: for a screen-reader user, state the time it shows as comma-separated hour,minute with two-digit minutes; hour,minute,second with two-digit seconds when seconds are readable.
5,21
